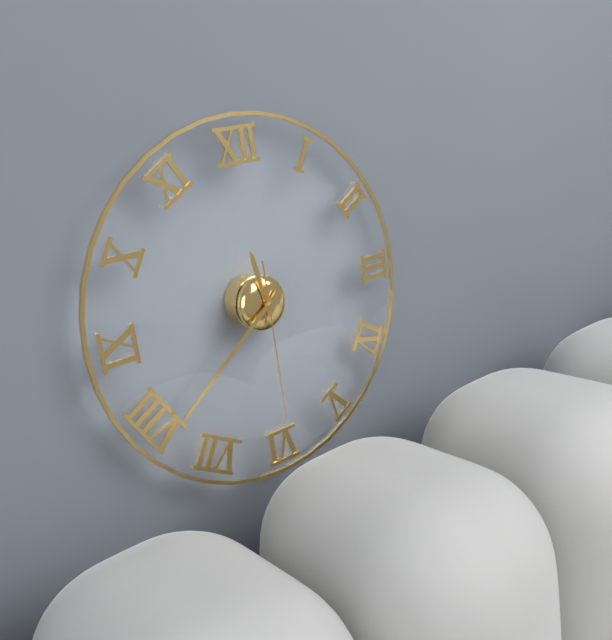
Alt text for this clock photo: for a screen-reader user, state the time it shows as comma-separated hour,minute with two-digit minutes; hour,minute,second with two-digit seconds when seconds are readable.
11,39,30
